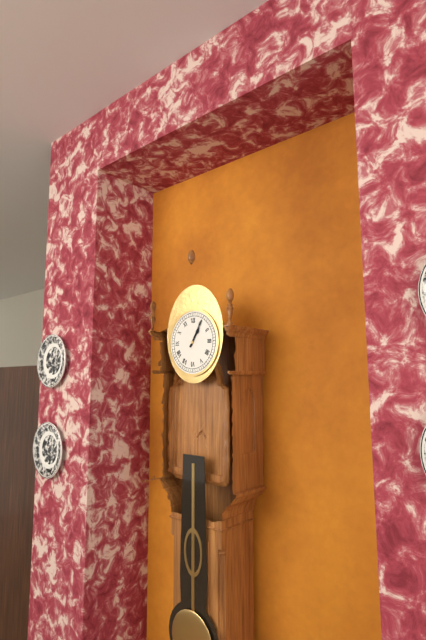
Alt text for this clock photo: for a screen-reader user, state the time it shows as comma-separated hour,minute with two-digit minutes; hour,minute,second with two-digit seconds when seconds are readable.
1,05
